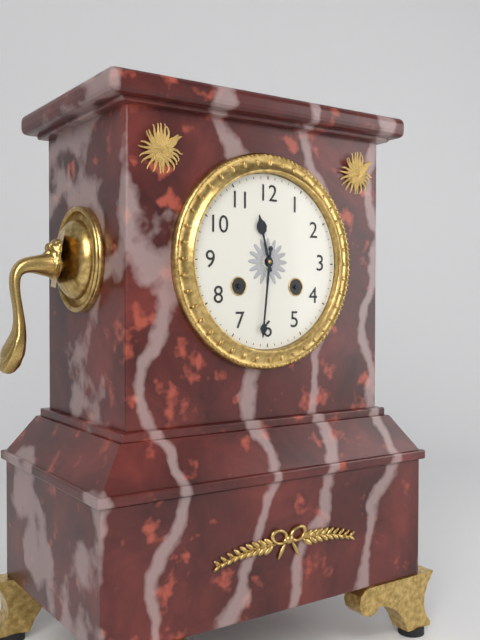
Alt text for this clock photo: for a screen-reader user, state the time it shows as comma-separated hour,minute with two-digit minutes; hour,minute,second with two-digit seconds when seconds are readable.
11,31
